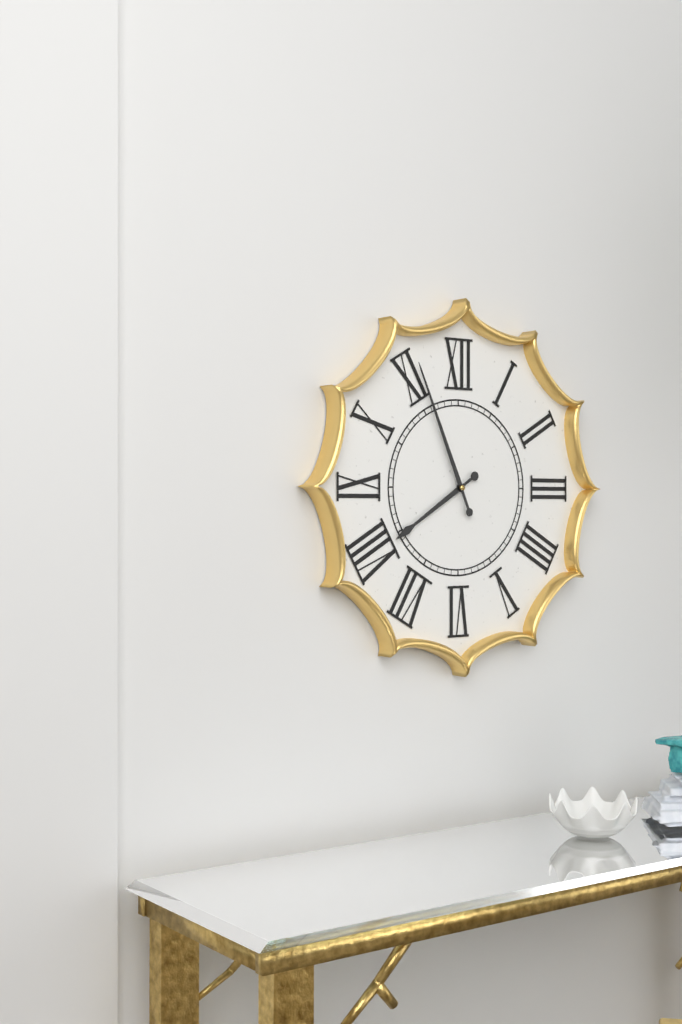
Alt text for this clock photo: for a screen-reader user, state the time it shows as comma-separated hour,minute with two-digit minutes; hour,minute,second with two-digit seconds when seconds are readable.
7,56
